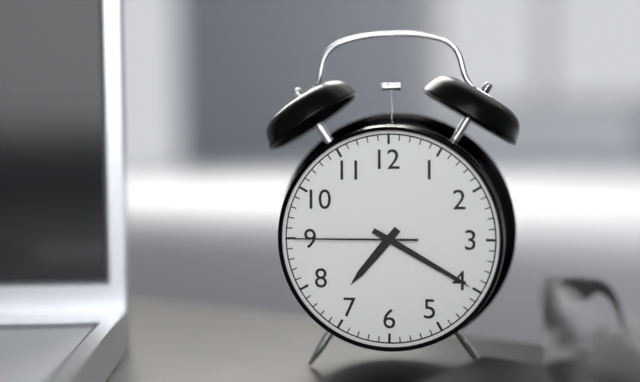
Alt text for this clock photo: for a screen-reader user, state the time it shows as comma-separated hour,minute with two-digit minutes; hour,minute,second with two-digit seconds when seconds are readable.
7,20,45
